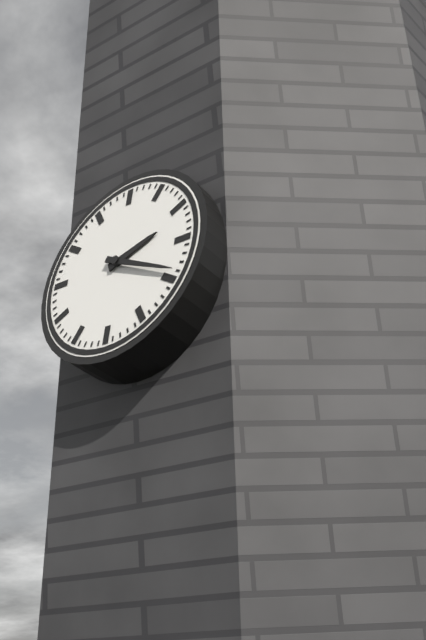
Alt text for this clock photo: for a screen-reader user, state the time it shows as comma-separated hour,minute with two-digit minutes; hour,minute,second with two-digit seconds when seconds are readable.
2,19
